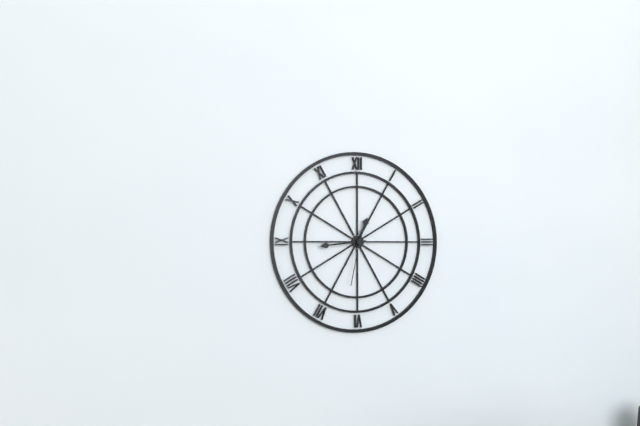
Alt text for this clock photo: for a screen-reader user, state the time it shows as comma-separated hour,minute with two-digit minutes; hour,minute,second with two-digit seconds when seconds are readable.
12,44,32
